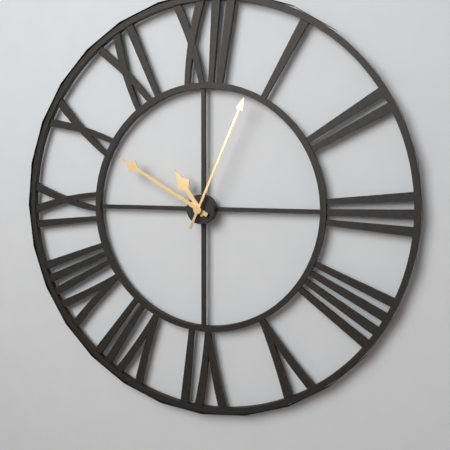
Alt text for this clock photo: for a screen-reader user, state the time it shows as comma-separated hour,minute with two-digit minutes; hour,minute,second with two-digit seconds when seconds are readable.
10,50,04
